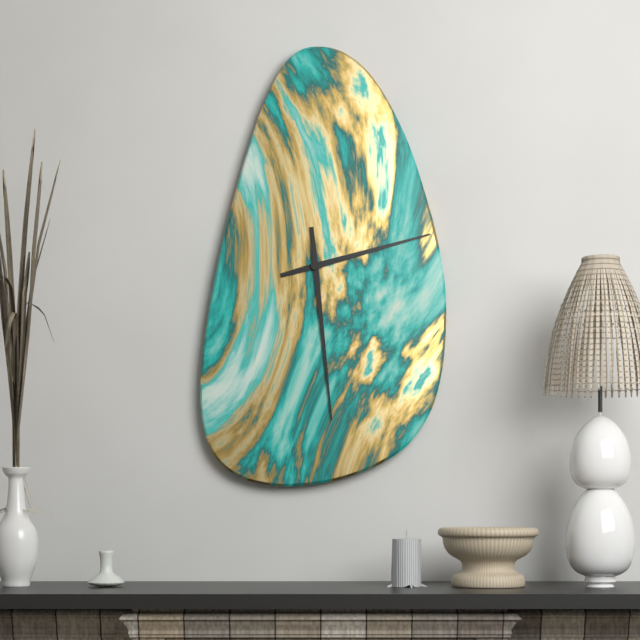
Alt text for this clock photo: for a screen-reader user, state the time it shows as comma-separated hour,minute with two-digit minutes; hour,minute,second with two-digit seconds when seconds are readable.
2,29
